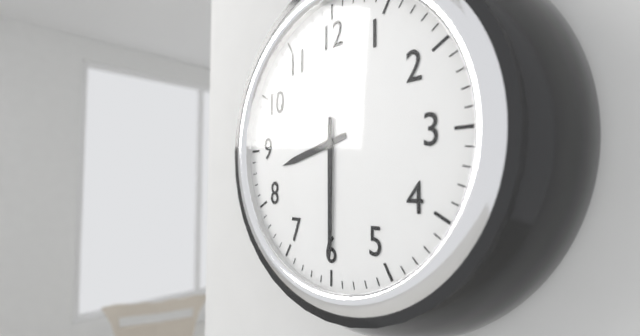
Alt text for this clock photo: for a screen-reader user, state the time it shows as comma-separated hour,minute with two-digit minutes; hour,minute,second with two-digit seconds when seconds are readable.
8,30
